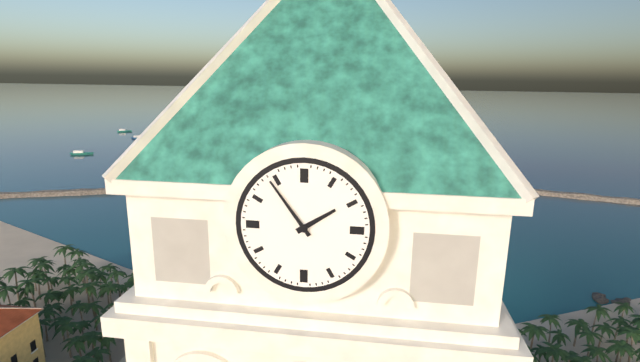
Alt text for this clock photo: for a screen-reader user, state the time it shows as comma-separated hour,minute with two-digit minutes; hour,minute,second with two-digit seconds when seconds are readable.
1,54
